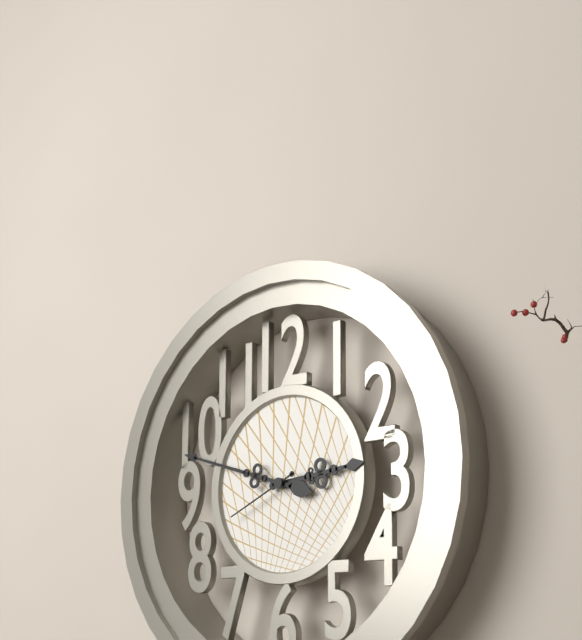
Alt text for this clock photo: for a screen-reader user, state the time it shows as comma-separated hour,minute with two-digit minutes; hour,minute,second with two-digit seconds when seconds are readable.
2,48,41
